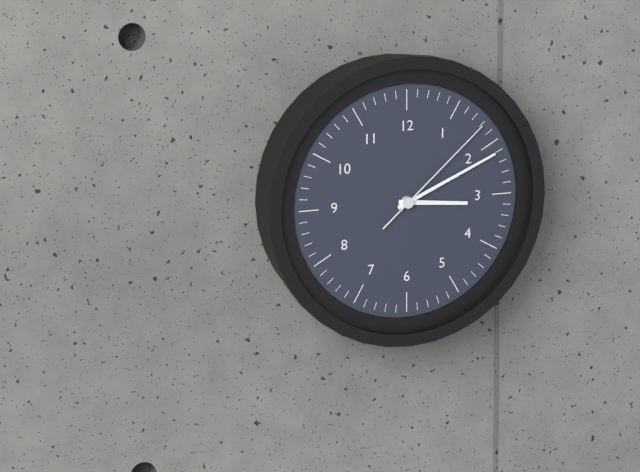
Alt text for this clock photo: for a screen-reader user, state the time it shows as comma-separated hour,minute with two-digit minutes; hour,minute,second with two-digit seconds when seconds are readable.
3,11,08
